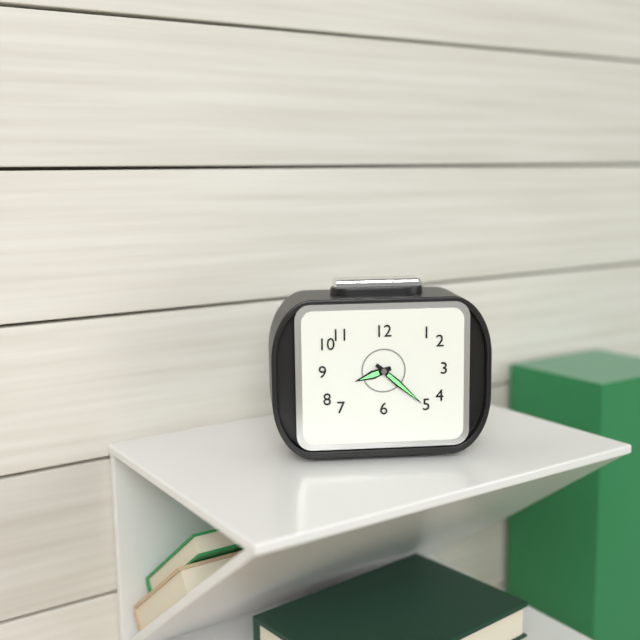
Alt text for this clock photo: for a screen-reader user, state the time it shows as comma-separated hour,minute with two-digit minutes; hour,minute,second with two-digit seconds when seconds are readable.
8,22
